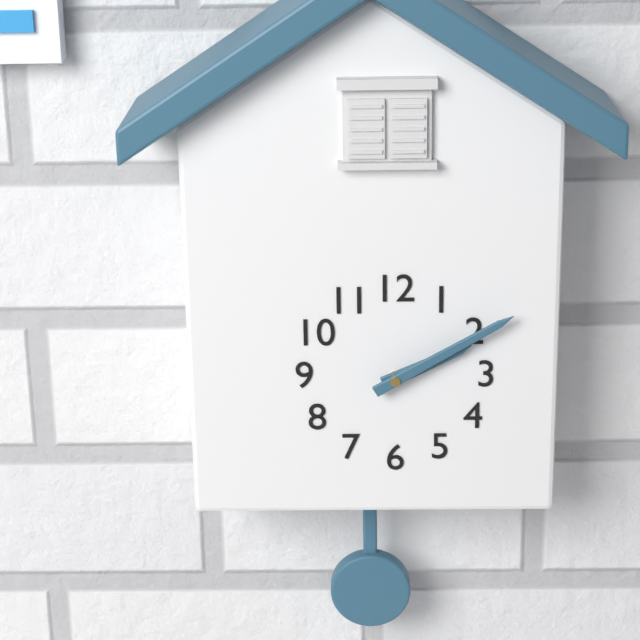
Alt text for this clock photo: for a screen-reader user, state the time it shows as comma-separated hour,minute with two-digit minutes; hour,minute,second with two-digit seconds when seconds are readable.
2,10
